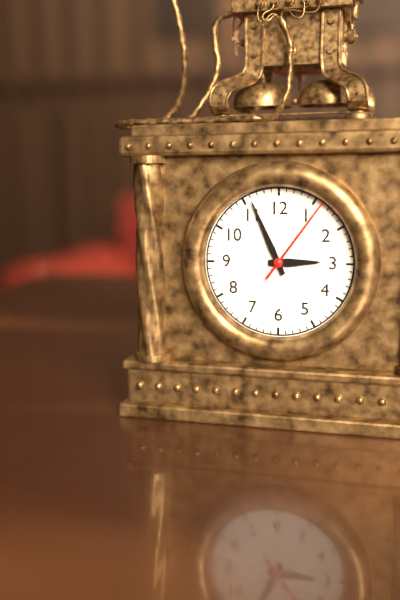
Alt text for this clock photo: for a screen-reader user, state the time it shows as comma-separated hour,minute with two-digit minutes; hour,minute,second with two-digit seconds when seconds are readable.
2,56,06
